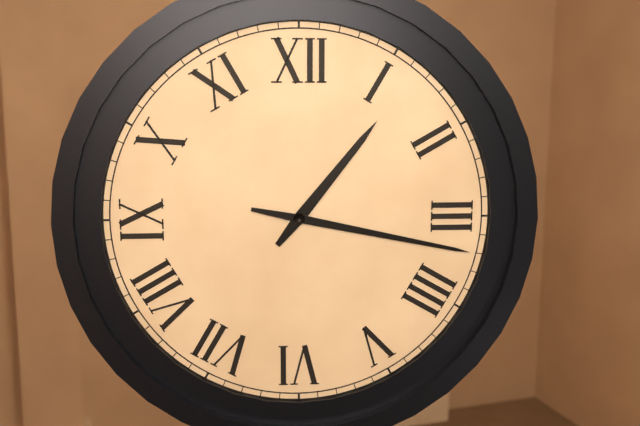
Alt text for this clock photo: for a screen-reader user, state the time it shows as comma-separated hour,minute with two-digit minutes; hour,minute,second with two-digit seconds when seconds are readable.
1,17
